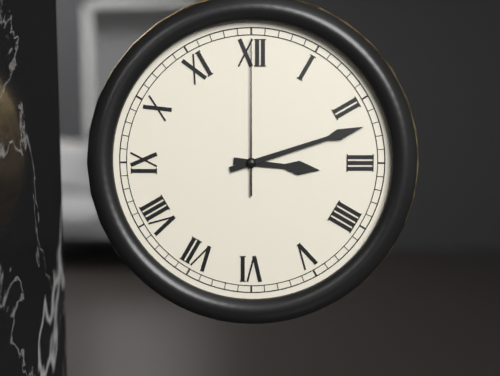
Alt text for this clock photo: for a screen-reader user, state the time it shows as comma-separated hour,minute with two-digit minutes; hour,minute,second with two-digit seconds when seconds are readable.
3,12,00
